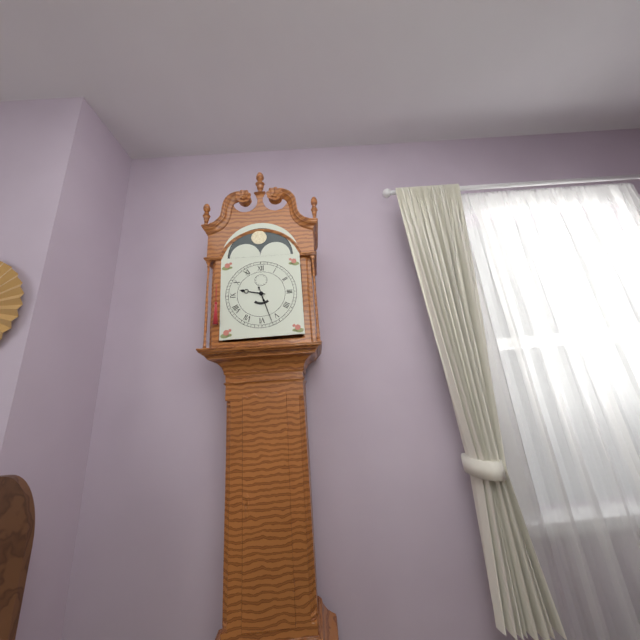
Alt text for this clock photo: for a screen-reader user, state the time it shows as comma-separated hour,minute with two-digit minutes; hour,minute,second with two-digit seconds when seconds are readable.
9,27
